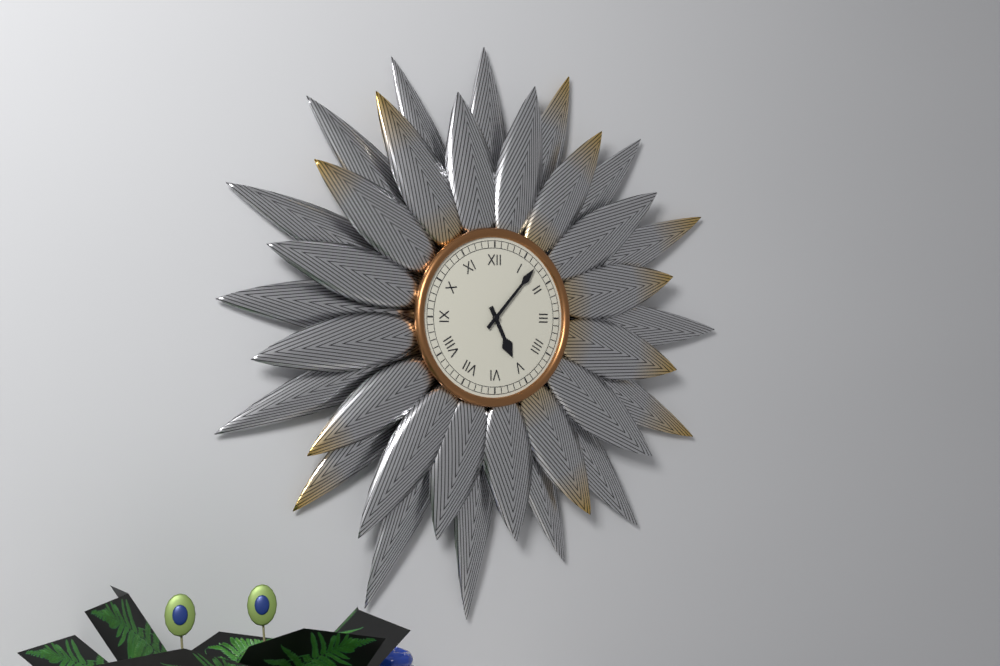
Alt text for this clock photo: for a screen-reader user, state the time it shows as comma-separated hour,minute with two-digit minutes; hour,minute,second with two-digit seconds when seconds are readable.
5,07
